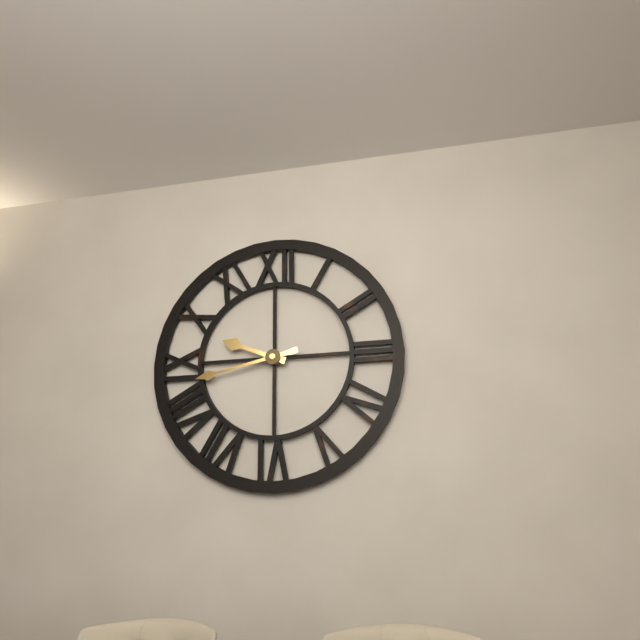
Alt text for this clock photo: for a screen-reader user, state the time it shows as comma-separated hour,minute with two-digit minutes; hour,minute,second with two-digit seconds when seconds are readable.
9,43
